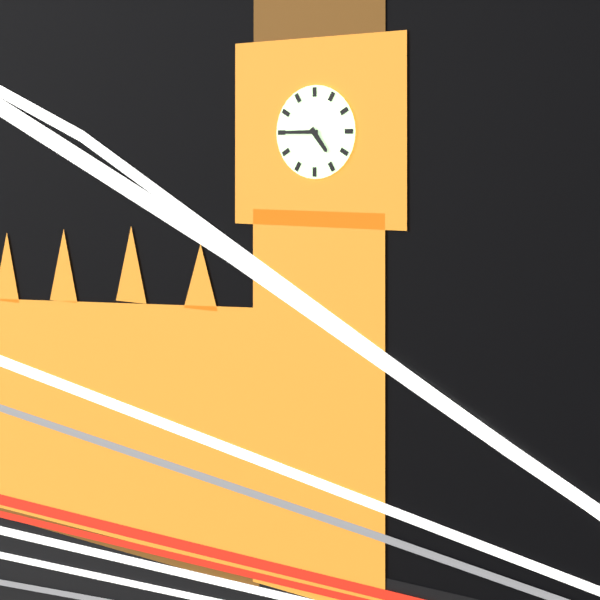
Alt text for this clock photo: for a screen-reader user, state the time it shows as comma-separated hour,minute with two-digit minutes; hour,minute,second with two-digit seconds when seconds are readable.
4,45
